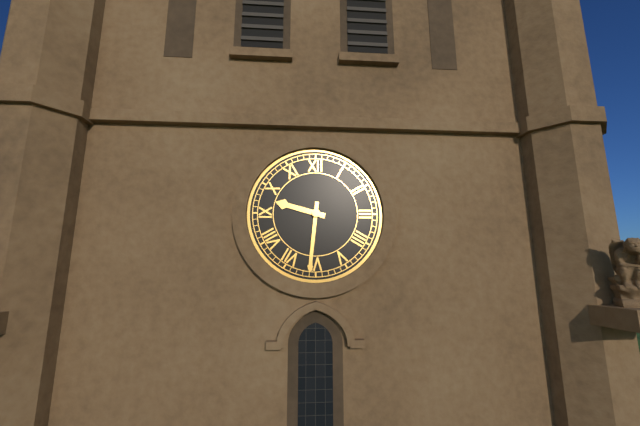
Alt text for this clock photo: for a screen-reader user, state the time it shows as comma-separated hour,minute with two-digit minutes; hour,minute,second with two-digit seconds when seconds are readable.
9,31
